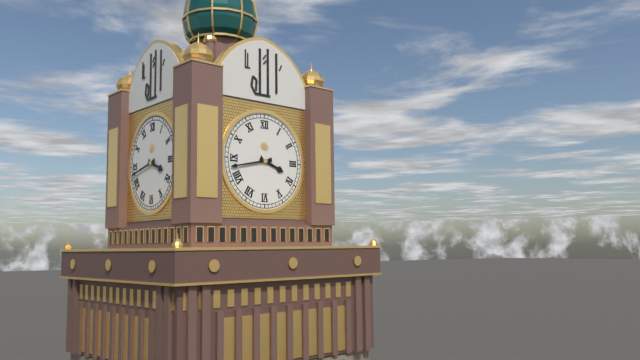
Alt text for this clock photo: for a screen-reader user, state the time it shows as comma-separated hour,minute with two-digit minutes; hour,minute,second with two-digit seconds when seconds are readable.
3,43
